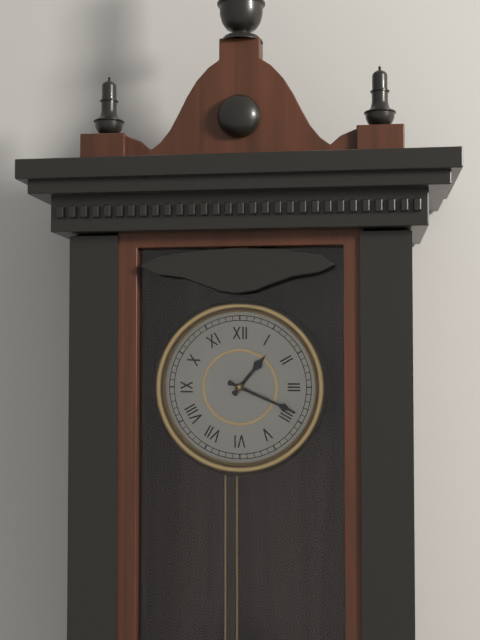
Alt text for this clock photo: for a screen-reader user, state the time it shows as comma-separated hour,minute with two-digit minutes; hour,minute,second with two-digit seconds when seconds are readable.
1,19
